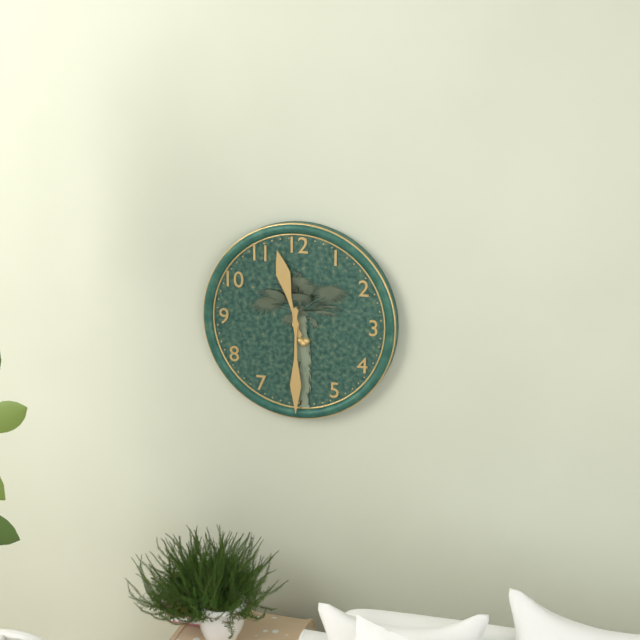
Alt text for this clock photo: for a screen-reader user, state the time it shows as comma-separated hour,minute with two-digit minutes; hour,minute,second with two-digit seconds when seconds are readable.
11,30
